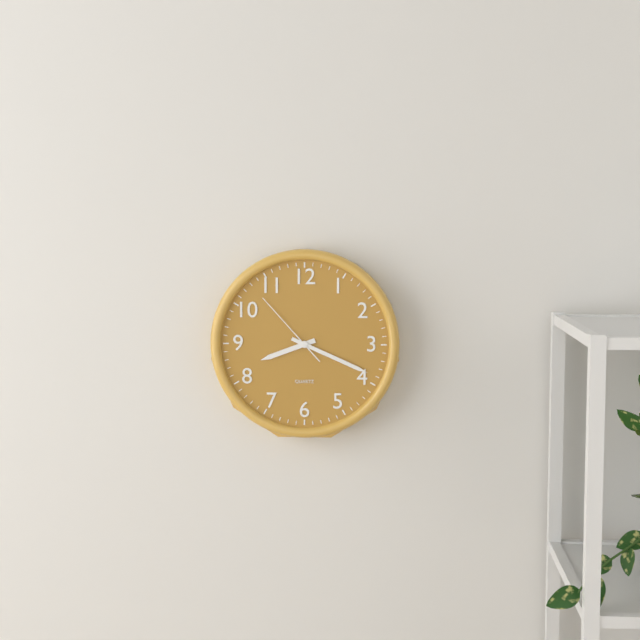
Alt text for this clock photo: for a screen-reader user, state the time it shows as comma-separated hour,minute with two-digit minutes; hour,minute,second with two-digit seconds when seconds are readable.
8,19,53
